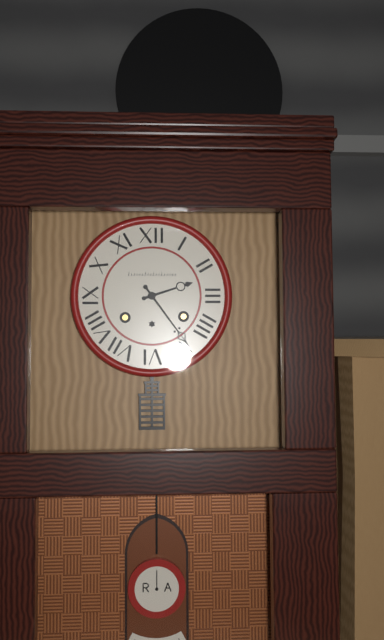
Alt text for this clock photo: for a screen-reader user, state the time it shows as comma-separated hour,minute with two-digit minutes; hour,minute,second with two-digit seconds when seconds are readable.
2,24
